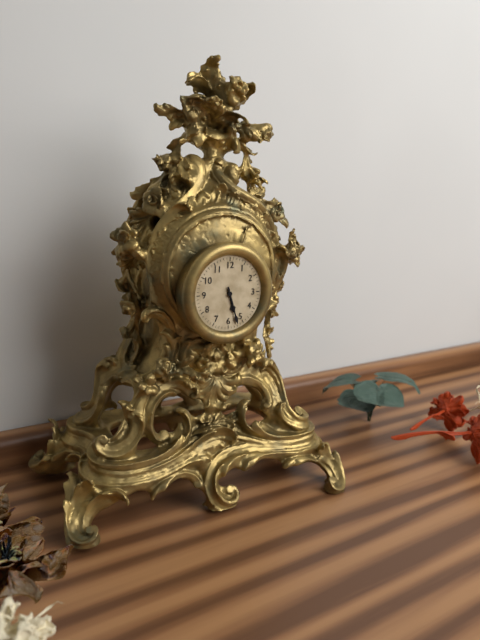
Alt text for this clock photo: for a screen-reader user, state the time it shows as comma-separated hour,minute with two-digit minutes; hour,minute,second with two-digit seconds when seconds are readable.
5,27
